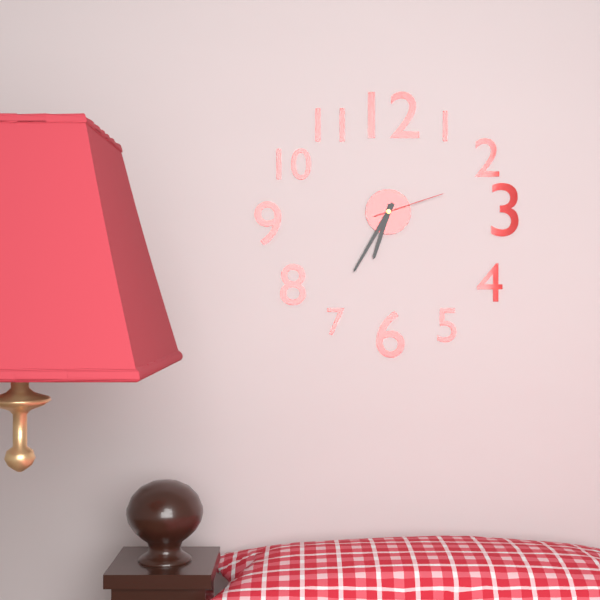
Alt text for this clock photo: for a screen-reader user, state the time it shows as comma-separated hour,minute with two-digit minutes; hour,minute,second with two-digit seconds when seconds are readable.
6,35,12
